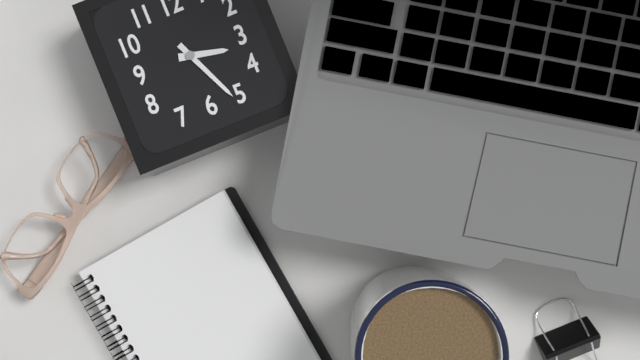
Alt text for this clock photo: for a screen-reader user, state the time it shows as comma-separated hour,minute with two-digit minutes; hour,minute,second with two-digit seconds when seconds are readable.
3,26
